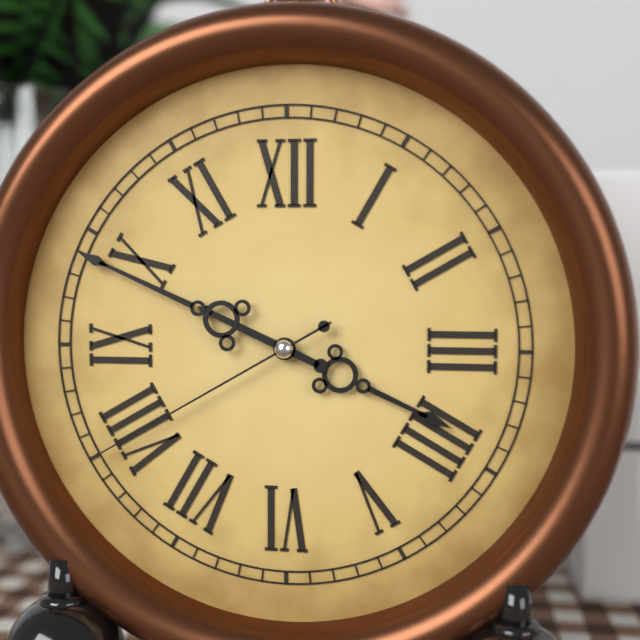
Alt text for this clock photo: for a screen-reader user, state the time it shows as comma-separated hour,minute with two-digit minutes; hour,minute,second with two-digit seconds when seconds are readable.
3,49,40
